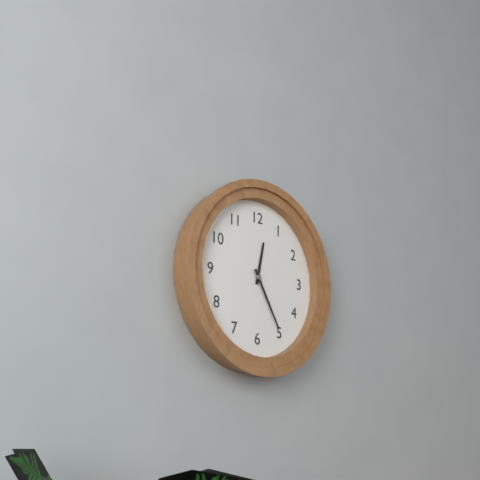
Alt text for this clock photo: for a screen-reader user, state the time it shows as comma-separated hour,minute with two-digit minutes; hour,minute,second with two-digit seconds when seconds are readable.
12,25
